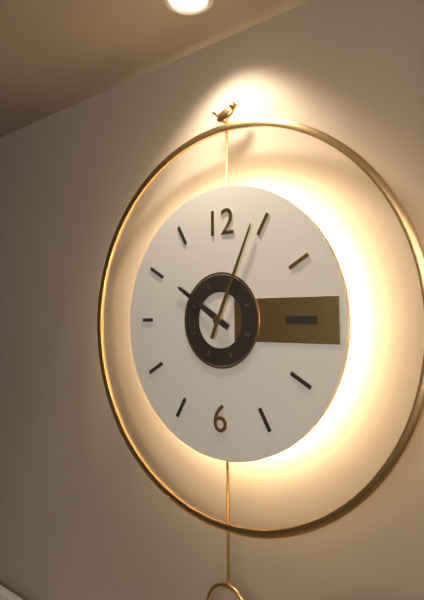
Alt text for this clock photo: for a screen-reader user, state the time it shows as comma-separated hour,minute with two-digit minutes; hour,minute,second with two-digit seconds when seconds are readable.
10,04
